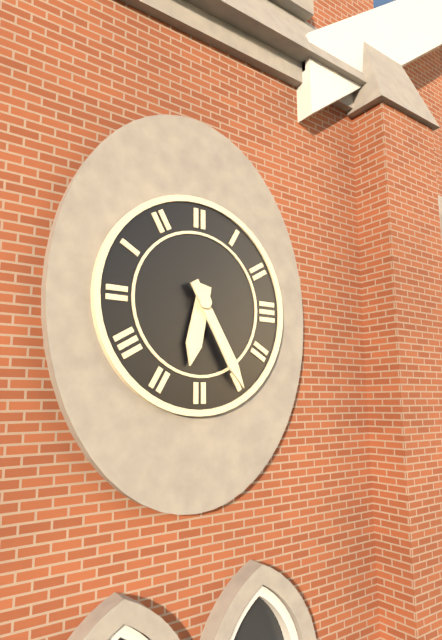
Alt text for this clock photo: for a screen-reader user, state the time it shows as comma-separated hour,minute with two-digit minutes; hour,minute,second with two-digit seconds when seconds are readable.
6,25
